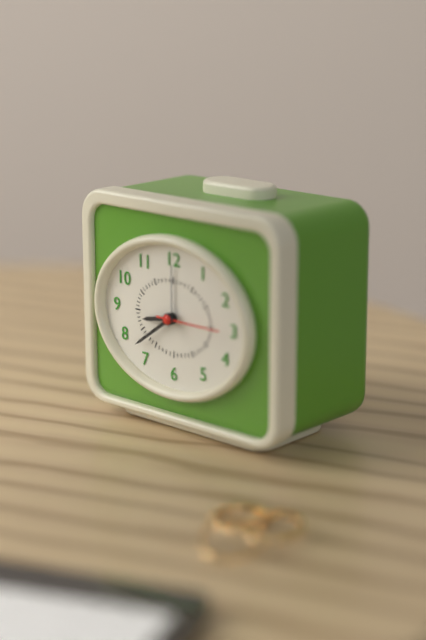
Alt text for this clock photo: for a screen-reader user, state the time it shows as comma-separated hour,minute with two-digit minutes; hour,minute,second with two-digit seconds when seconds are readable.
8,39
